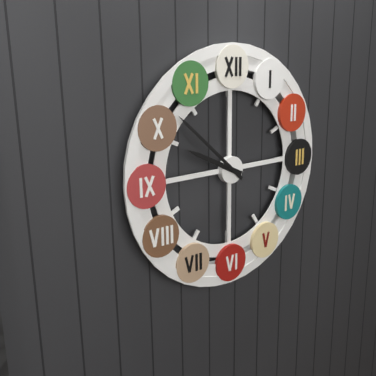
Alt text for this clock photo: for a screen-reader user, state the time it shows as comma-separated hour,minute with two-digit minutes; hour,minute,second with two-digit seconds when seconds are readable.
9,52
